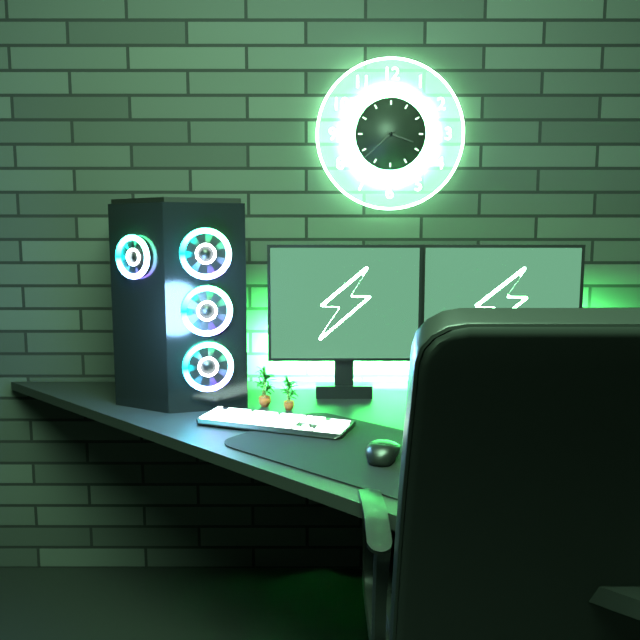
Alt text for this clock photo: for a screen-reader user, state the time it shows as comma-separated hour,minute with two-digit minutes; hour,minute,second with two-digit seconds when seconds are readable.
3,38
